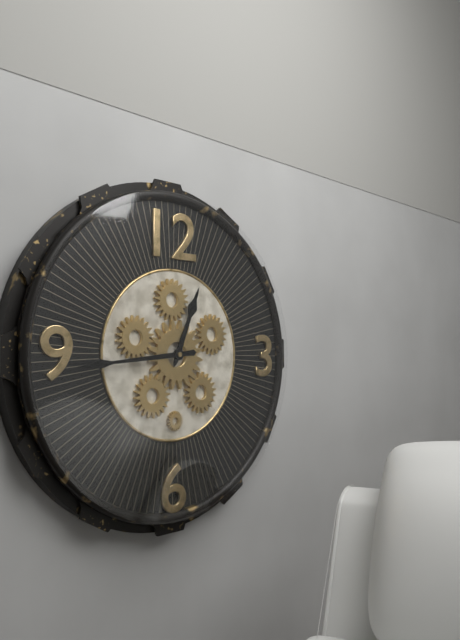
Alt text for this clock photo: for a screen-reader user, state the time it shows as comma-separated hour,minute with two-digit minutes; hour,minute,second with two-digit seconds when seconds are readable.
12,44
